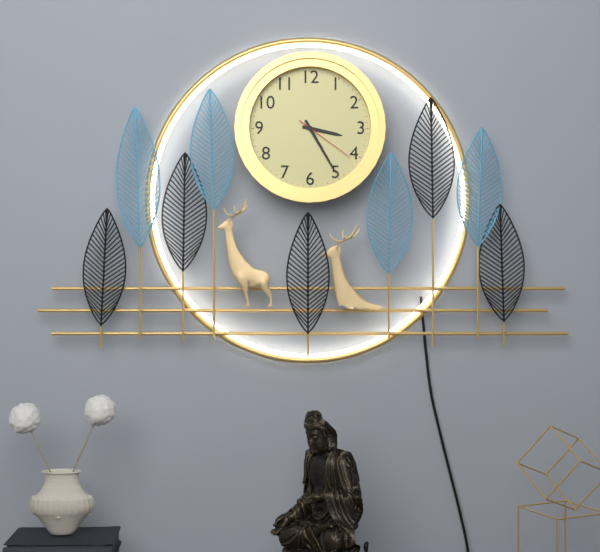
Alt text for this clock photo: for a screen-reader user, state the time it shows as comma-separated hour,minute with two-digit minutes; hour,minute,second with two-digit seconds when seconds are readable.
3,25,21
